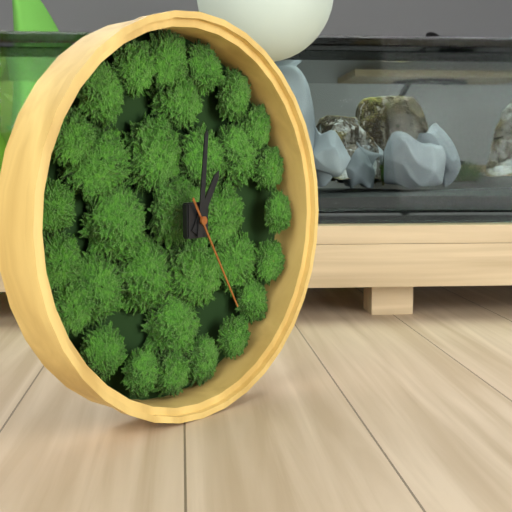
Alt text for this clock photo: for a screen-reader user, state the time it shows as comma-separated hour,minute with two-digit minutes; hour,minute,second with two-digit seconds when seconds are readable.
1,01,25
